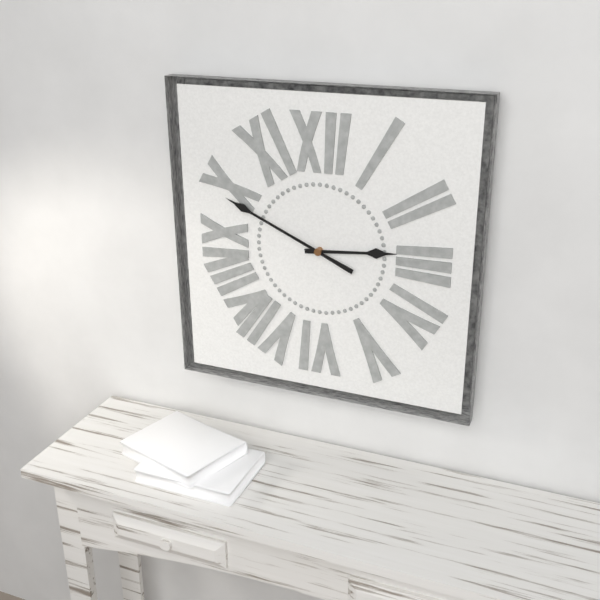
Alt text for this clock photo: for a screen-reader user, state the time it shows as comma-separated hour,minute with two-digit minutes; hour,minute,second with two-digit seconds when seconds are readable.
2,49
